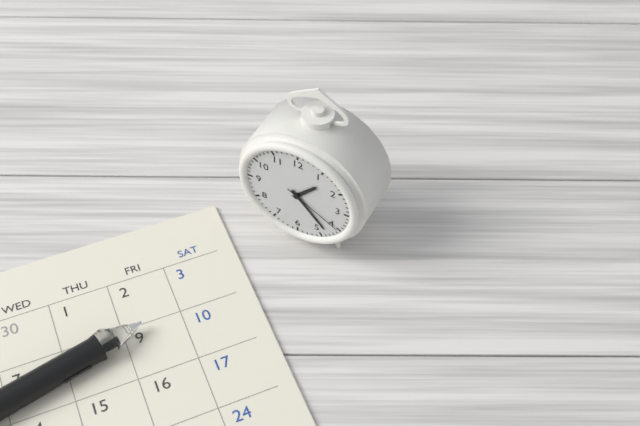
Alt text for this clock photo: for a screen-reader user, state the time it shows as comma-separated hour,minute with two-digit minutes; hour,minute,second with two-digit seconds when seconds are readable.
1,23,20
